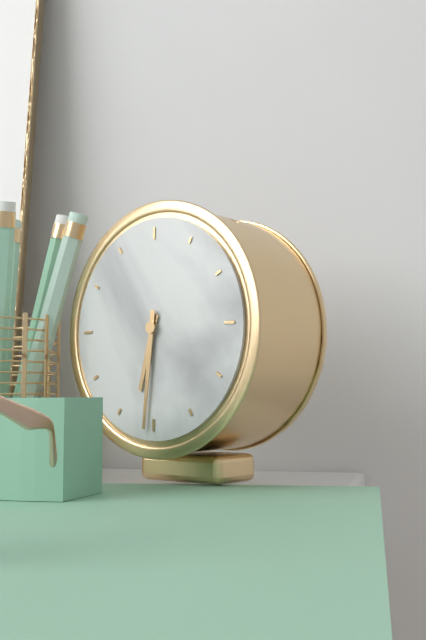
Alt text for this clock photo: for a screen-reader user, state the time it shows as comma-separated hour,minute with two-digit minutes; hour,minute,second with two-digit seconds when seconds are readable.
6,31
